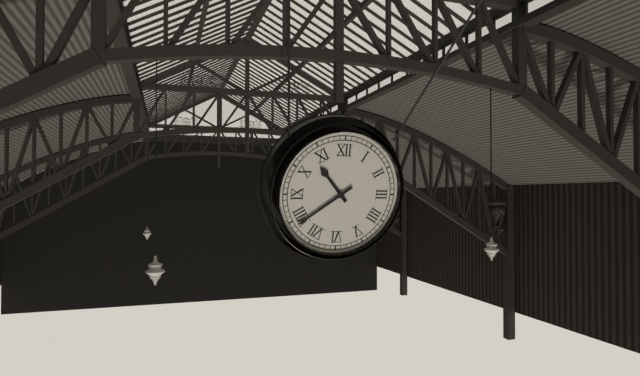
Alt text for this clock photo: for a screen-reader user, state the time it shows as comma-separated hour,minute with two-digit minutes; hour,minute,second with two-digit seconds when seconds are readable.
10,39
